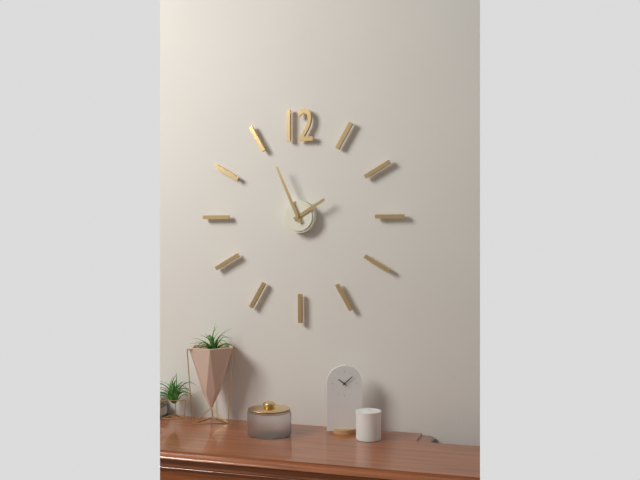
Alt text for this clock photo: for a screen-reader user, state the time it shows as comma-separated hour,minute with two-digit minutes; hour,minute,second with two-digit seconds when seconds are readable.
1,56
